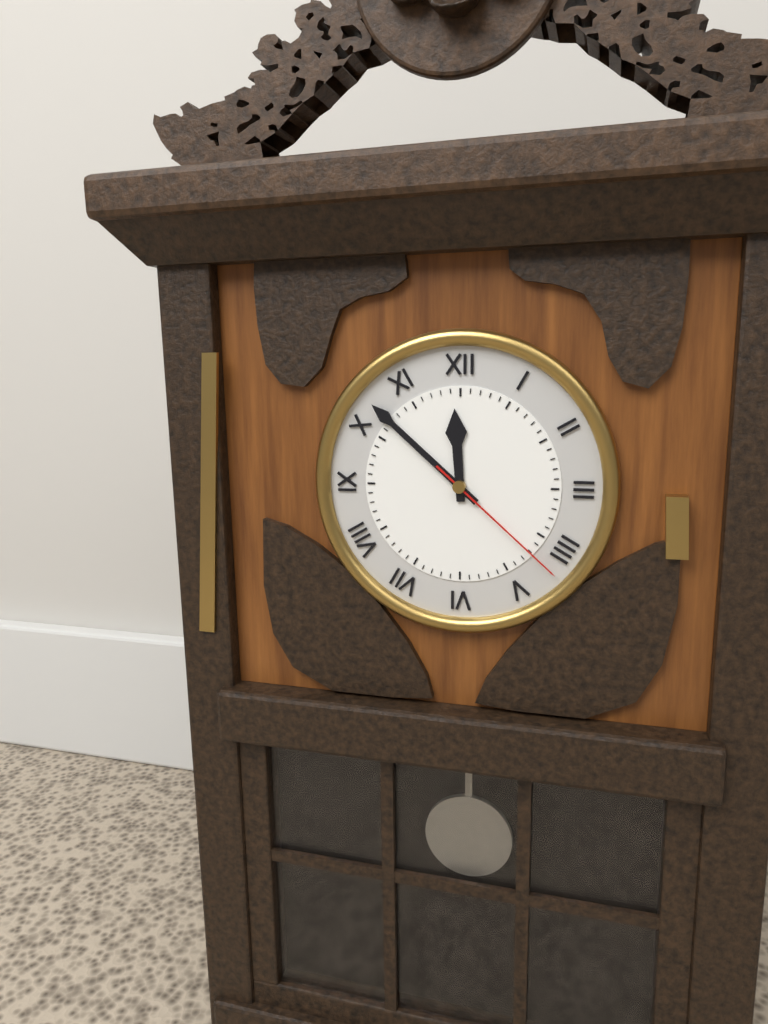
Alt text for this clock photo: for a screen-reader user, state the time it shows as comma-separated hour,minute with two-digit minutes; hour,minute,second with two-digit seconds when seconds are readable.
11,52,22
